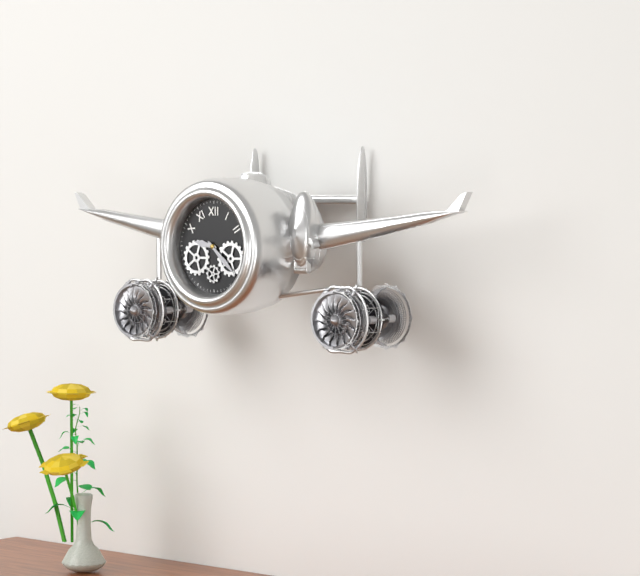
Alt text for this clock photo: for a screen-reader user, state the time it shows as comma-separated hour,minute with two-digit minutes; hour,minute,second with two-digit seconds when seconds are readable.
9,22
